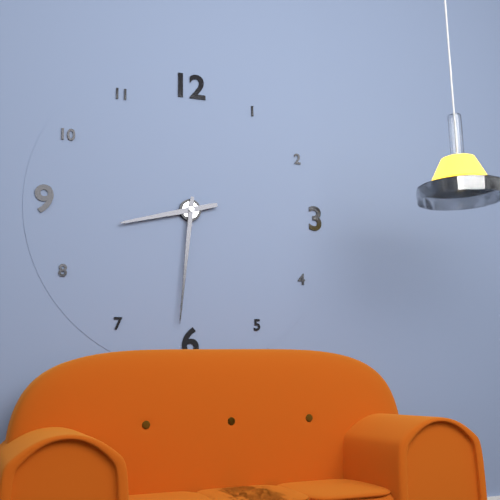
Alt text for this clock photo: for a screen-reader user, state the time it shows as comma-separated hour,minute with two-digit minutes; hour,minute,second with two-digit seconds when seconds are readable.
8,31
